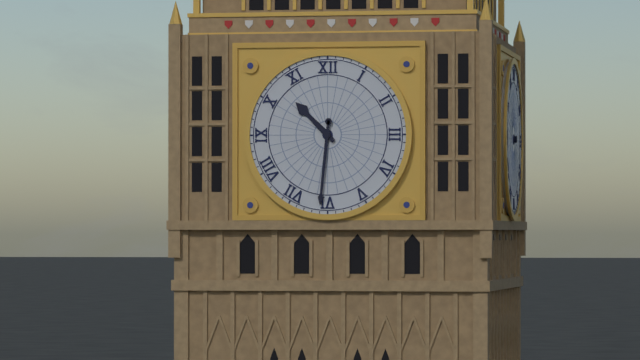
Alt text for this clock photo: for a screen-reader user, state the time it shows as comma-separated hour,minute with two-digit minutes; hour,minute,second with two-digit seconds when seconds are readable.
10,31
